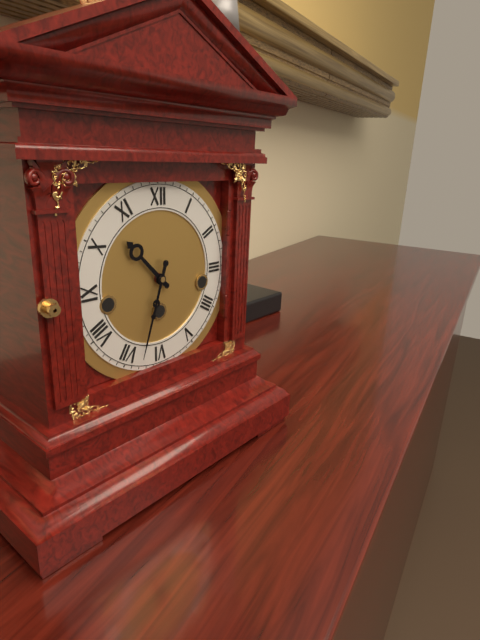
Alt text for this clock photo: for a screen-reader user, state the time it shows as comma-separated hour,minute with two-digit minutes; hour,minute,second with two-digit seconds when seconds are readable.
10,33
